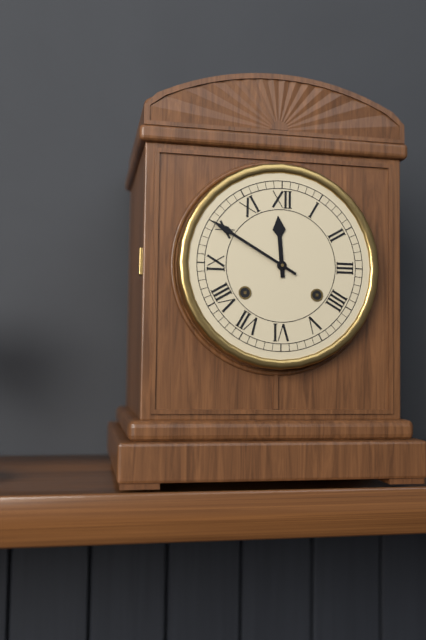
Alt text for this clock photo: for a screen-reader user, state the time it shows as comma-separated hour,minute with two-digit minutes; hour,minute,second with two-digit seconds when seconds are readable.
11,50
